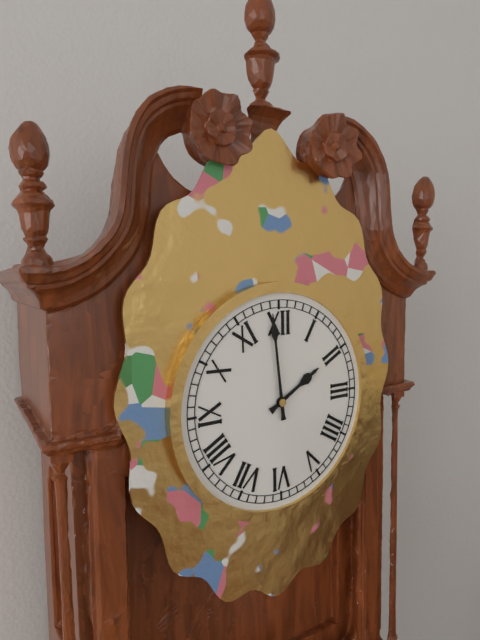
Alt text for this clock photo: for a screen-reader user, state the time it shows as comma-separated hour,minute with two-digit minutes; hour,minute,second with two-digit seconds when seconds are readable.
1,59
